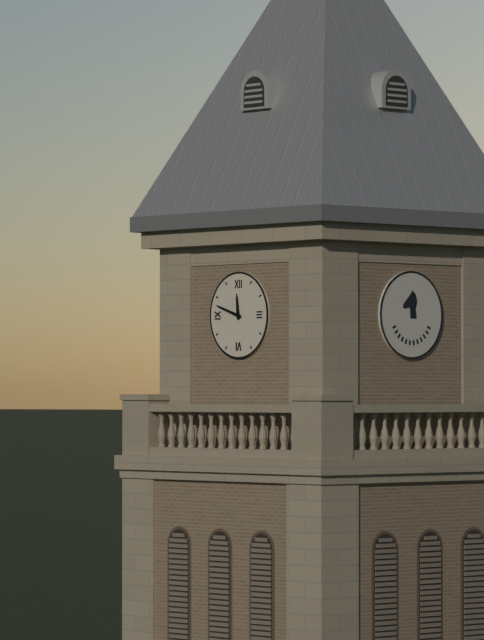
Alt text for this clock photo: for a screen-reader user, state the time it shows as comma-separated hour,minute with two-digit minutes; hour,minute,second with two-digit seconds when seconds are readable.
11,48
